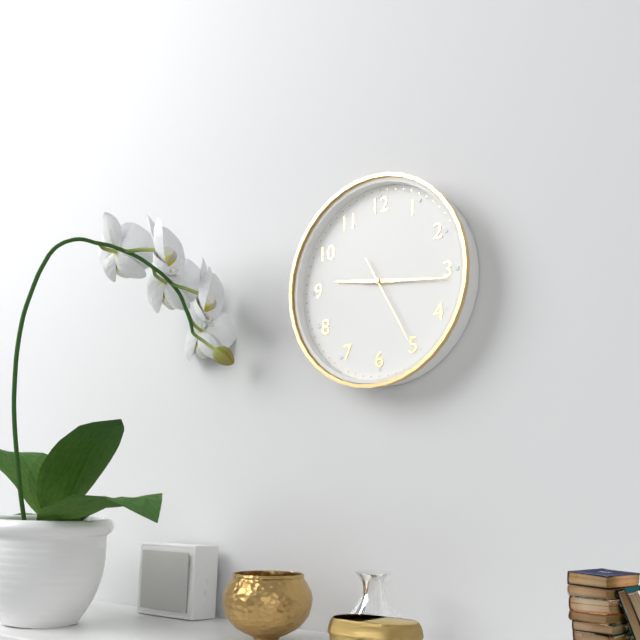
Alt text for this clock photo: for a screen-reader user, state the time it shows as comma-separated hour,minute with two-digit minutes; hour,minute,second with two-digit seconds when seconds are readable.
9,16,25
